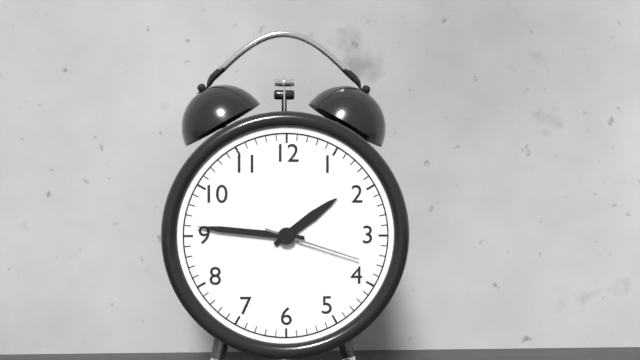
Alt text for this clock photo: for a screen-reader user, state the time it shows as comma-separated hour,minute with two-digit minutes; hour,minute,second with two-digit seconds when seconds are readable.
1,46,18
